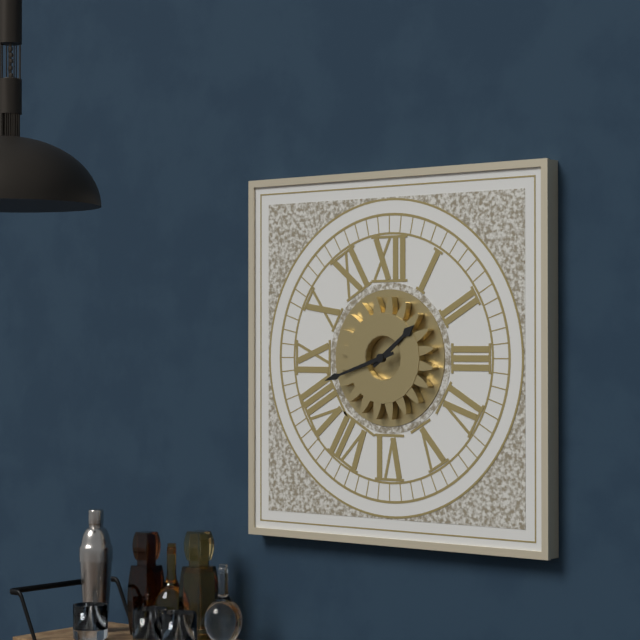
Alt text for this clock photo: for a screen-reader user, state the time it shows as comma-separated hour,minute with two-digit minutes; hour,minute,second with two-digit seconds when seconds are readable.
1,42
